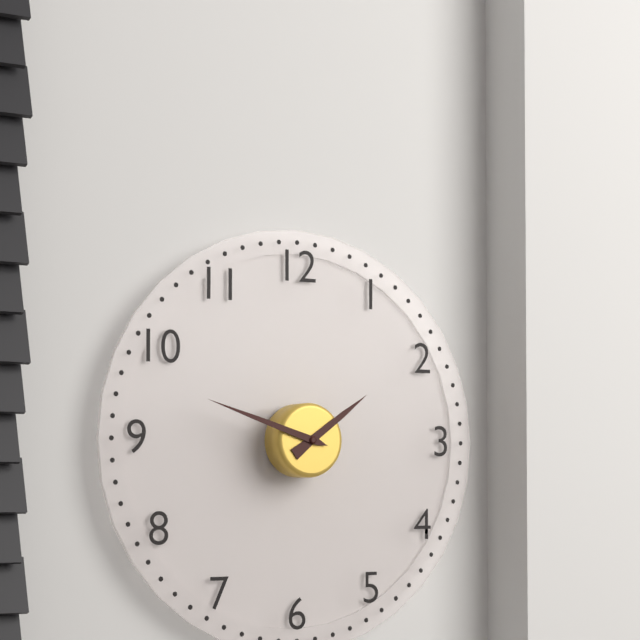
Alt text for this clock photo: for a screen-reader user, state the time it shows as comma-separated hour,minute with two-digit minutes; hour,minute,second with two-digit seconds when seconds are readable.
1,48
